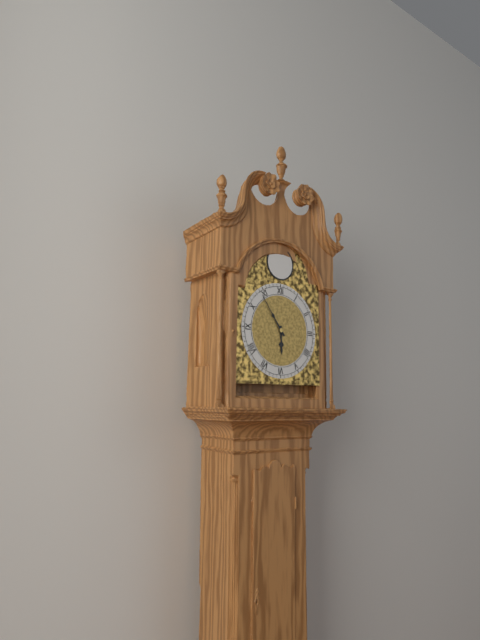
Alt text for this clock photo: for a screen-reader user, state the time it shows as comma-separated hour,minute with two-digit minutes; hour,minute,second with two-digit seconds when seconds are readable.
5,54
